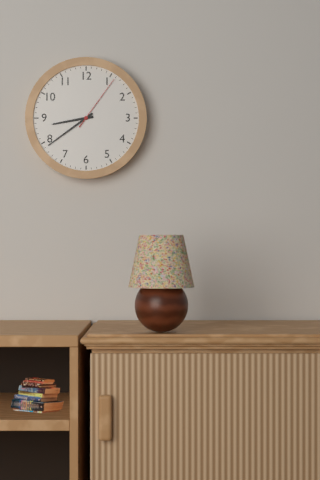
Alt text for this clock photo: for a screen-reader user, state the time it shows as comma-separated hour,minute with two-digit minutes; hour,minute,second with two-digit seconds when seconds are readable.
8,39,06
